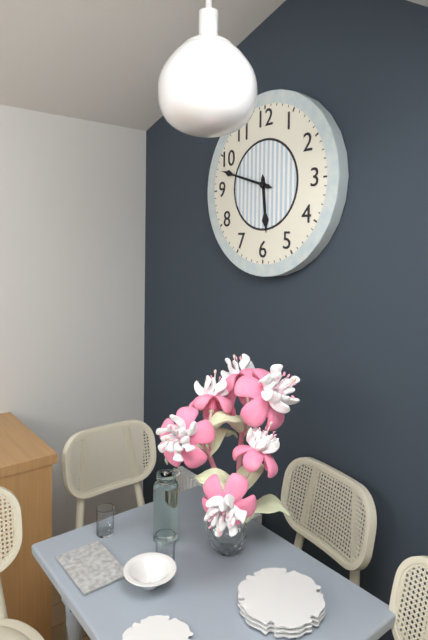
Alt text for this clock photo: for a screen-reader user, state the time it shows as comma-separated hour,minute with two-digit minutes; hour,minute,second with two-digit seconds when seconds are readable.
5,48
